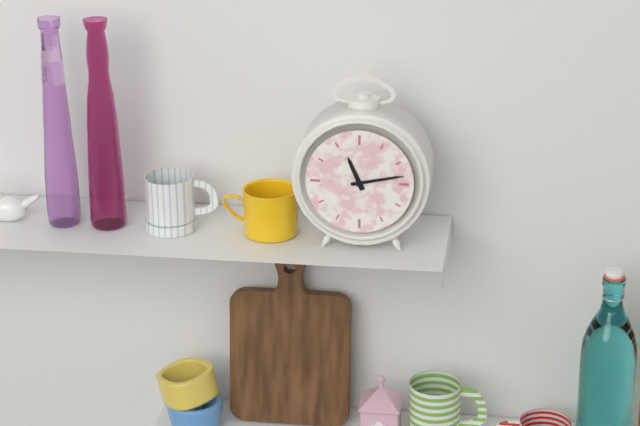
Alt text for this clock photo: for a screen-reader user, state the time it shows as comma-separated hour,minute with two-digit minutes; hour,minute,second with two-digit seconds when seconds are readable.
11,13
